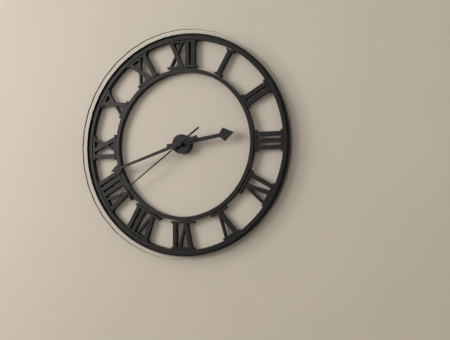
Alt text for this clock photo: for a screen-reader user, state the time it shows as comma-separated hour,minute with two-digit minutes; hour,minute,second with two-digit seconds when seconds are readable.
2,42,39
